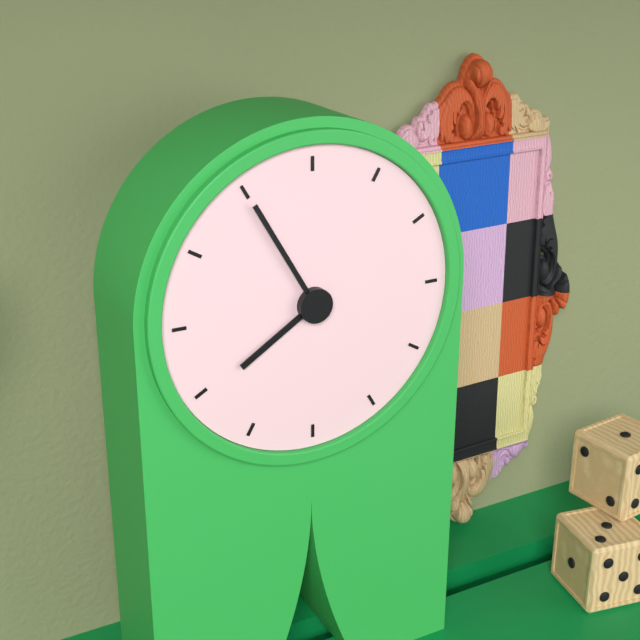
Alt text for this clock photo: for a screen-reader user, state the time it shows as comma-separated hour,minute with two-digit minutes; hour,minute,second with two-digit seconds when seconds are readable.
7,55
